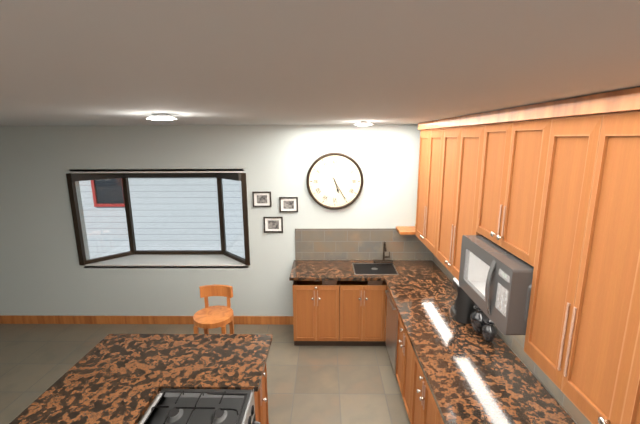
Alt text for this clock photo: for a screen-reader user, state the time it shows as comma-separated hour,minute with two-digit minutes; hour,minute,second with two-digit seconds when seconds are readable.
5,25
